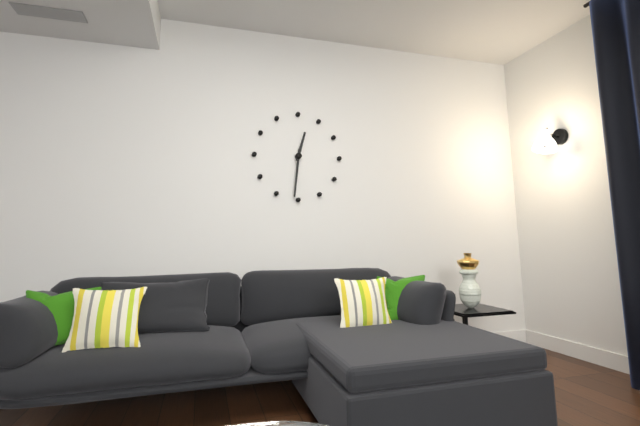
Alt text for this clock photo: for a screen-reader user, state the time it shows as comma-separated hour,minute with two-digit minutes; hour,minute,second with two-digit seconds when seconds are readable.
12,31
